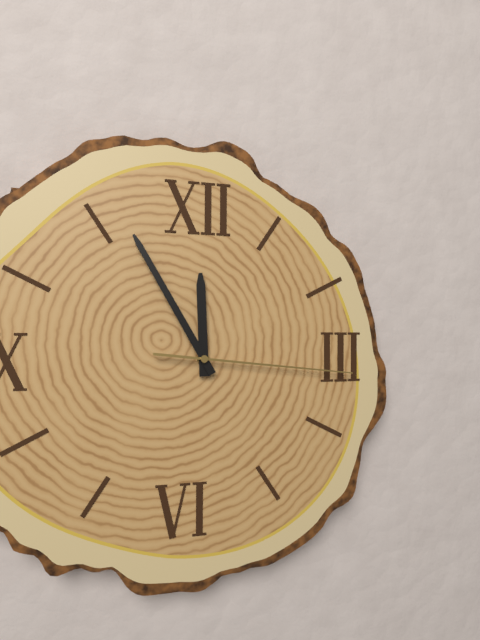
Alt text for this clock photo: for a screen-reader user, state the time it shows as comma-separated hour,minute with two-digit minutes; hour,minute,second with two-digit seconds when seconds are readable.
11,55,16
